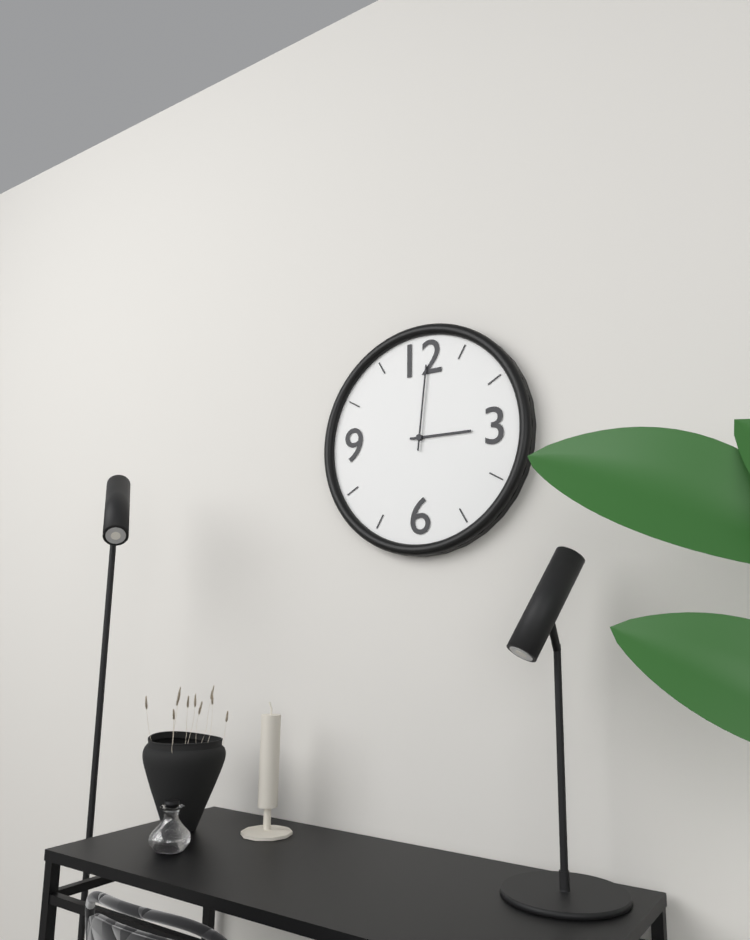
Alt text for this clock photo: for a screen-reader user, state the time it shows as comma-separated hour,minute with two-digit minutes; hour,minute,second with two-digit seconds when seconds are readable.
3,01
